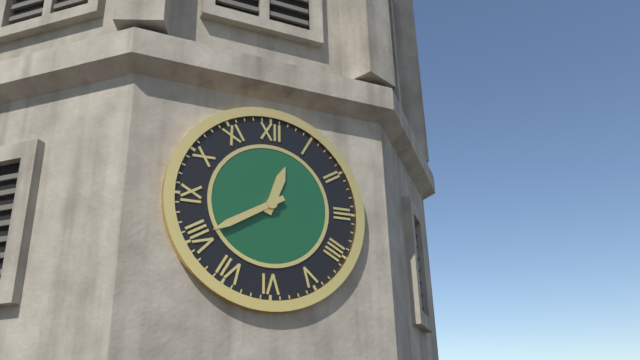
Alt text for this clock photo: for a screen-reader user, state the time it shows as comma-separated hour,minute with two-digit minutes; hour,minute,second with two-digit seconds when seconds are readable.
12,40
